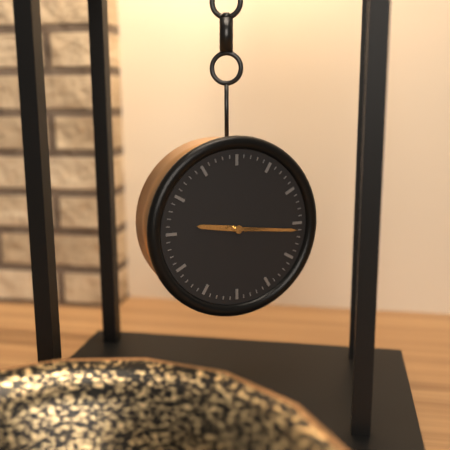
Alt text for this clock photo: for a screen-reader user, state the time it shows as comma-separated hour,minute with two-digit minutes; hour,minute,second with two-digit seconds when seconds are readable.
9,16
